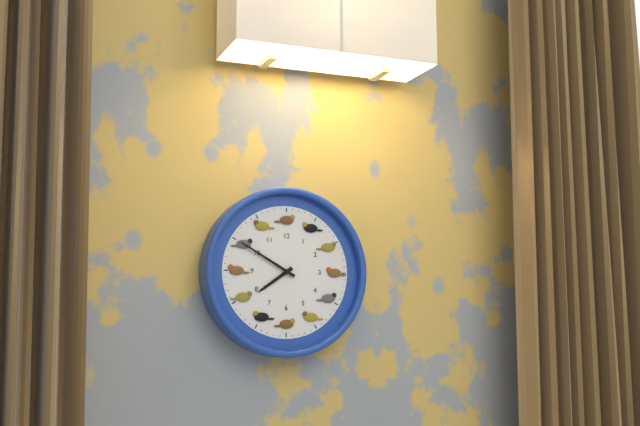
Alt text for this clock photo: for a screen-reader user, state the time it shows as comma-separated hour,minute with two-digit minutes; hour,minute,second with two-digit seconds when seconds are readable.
7,50
